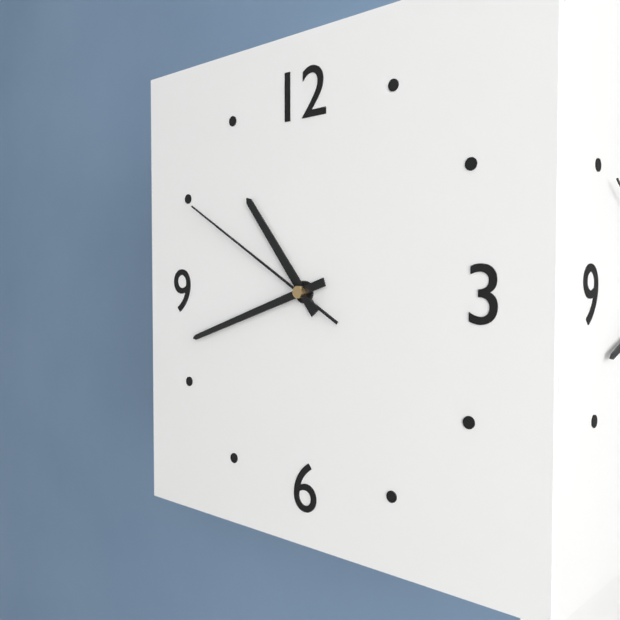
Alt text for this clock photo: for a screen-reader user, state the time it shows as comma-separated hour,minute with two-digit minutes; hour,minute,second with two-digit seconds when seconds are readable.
10,42,50
